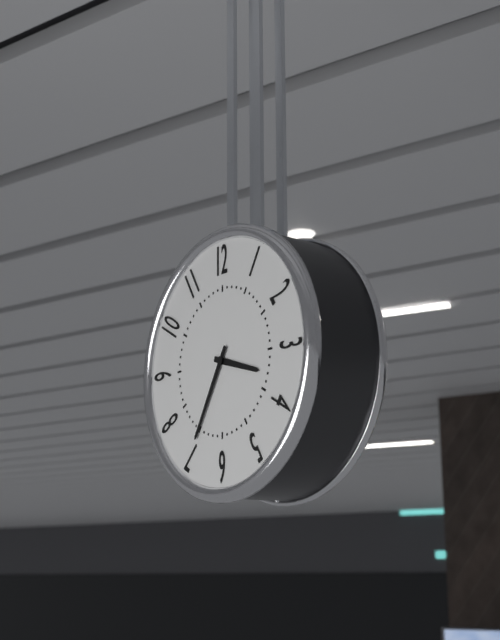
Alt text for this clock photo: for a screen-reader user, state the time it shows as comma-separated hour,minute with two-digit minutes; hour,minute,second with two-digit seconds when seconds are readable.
3,35
